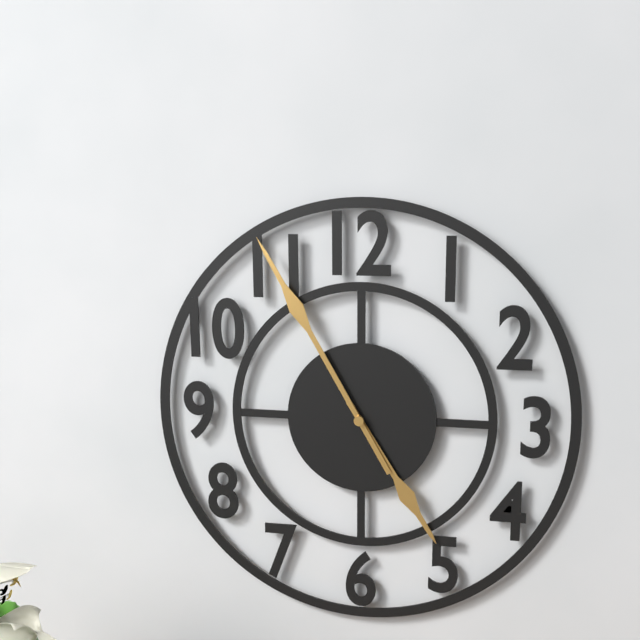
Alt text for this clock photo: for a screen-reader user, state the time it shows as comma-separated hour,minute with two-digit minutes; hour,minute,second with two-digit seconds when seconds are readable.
4,55
